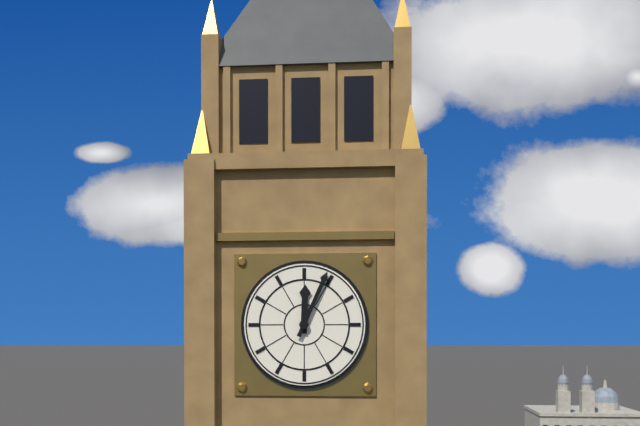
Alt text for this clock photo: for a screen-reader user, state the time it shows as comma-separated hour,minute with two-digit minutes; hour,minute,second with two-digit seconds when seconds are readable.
12,04
